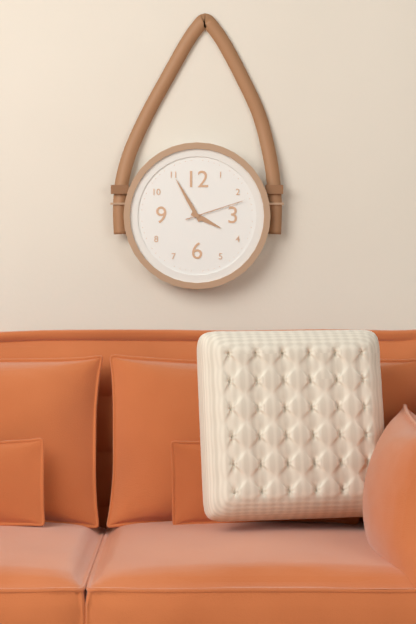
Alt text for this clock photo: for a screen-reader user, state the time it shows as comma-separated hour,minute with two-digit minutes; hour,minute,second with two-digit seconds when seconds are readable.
3,55,12
